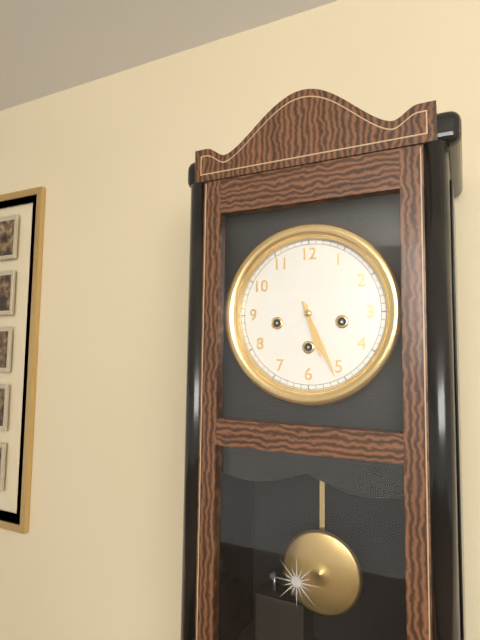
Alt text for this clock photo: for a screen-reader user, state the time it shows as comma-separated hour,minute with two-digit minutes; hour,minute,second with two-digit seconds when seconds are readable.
5,26
